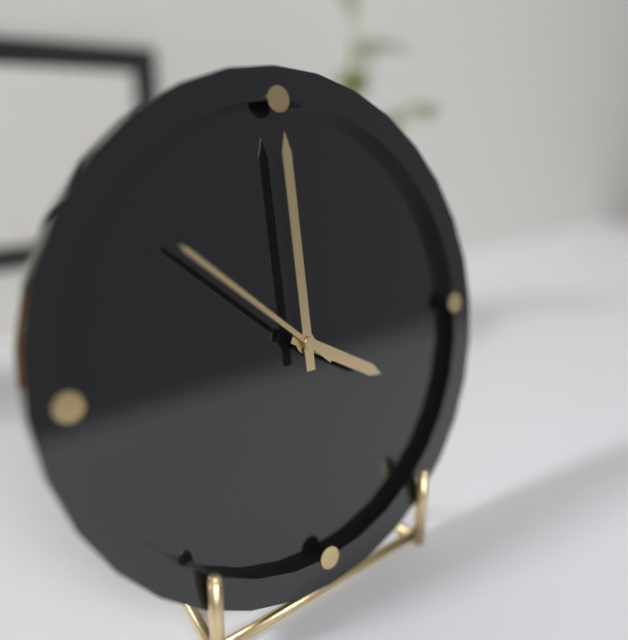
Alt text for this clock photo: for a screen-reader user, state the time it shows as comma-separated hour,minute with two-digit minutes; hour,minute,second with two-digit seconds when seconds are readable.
4,00,52
